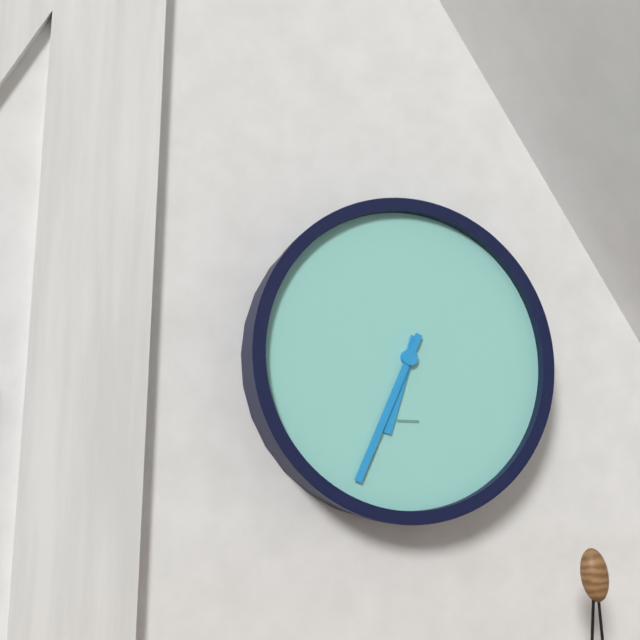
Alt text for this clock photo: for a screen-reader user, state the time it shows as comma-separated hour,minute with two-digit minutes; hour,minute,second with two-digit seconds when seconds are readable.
6,34
